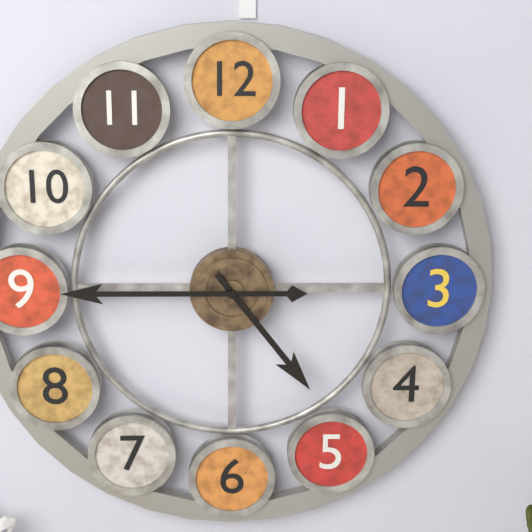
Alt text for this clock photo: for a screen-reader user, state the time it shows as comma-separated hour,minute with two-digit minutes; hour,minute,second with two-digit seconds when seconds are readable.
4,45
